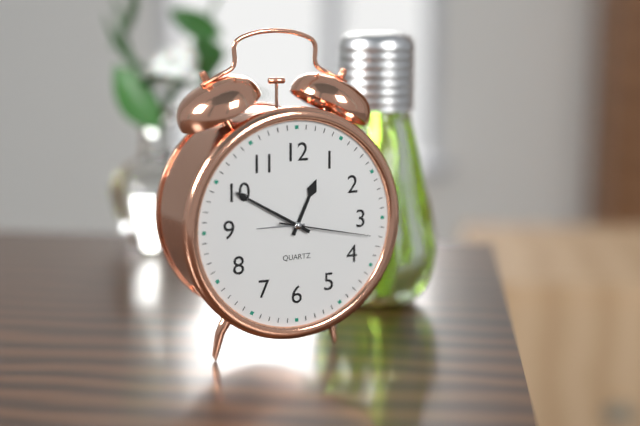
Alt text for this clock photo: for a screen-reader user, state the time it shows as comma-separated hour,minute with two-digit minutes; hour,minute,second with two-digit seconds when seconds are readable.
12,50,17
